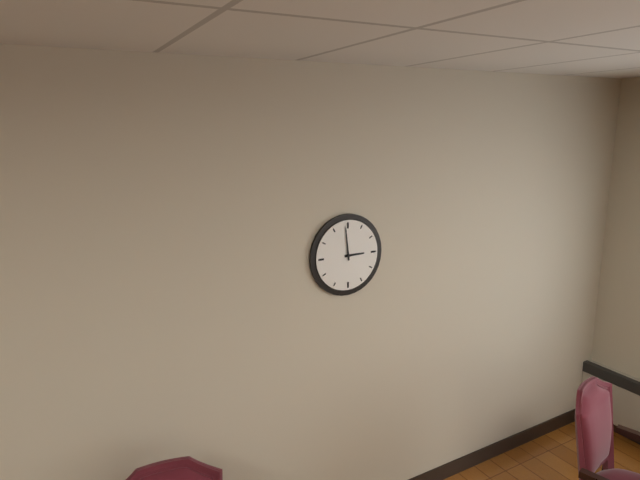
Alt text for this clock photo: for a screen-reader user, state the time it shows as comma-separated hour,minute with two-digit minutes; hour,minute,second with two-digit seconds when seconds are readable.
2,59
